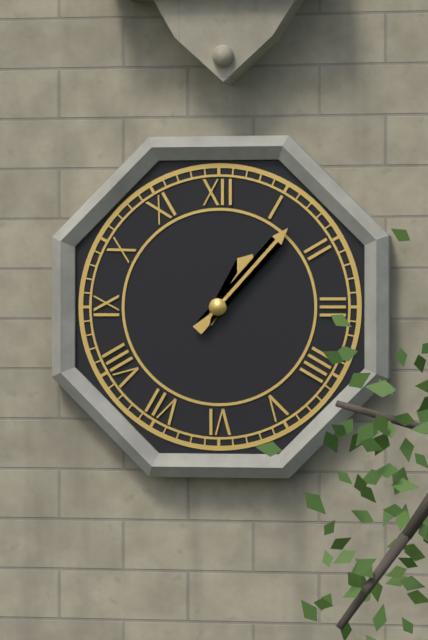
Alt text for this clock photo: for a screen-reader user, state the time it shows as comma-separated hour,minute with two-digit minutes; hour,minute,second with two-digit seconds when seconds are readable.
1,07
